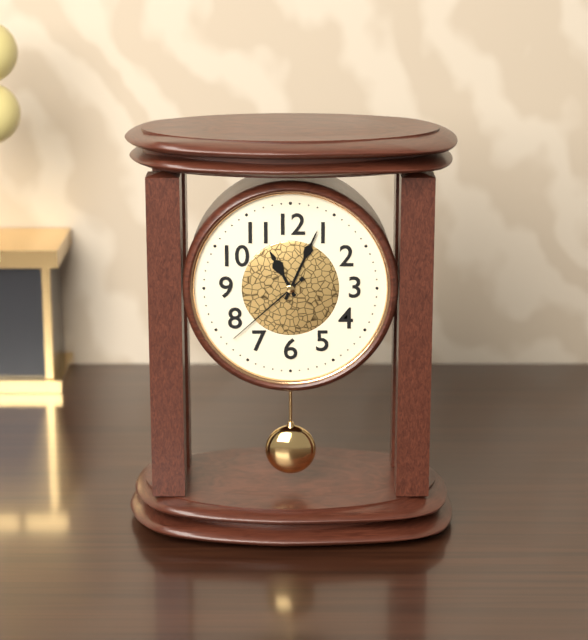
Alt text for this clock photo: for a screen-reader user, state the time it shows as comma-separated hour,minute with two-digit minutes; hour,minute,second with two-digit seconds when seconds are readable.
11,04,38
